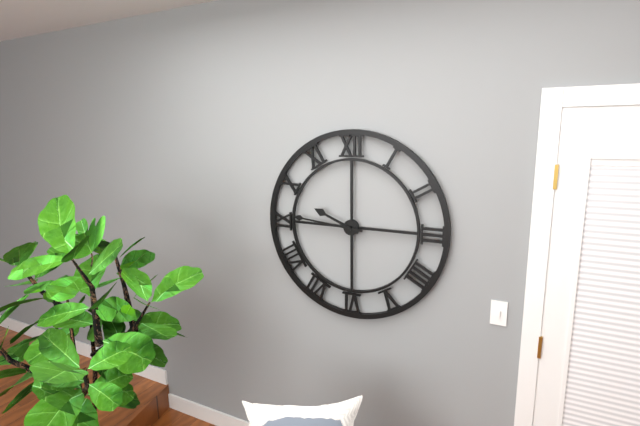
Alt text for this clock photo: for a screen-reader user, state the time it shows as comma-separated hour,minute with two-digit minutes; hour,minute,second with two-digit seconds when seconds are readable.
9,46
